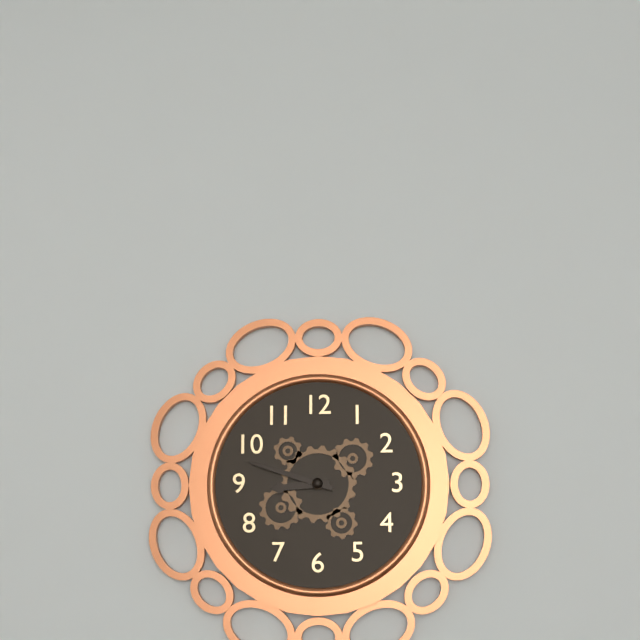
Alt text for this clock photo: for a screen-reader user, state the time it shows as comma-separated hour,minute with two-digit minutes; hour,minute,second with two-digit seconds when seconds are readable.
8,48
